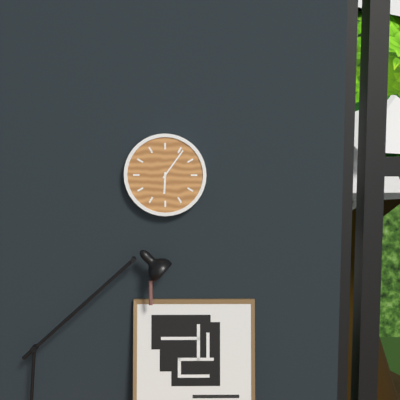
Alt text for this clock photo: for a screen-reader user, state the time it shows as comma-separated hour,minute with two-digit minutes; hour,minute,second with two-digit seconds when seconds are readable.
6,06
